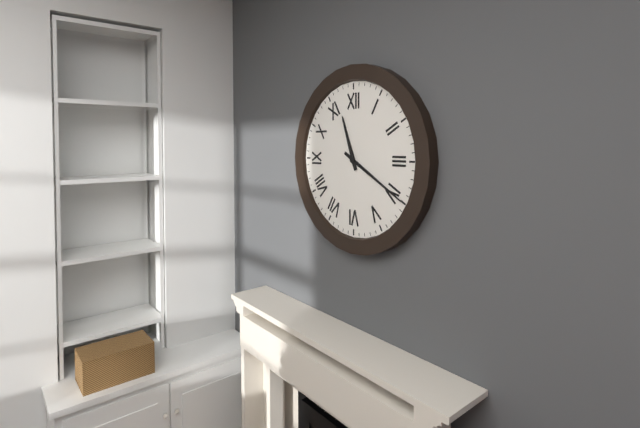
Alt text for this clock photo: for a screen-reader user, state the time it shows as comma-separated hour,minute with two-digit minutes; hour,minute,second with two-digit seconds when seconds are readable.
11,20
